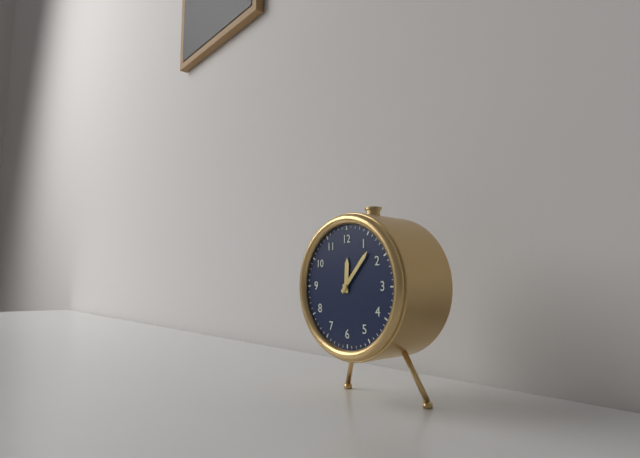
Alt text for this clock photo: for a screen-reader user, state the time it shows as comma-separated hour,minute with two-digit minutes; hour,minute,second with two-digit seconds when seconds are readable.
12,07
